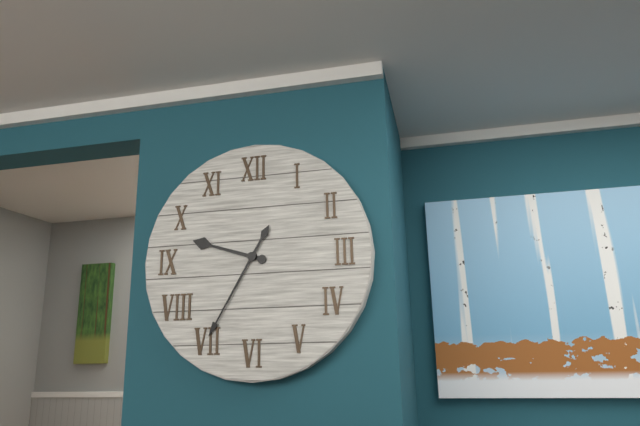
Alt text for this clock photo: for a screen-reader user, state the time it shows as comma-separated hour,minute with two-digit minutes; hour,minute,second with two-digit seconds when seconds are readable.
9,35
